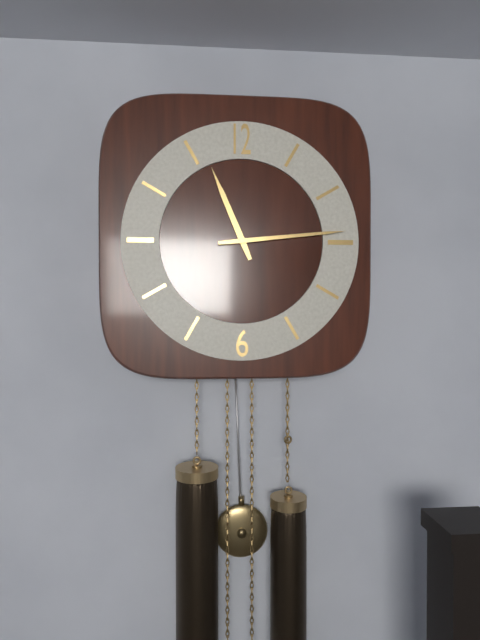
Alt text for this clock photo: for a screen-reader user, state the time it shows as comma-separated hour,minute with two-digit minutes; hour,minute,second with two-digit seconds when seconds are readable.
11,14
